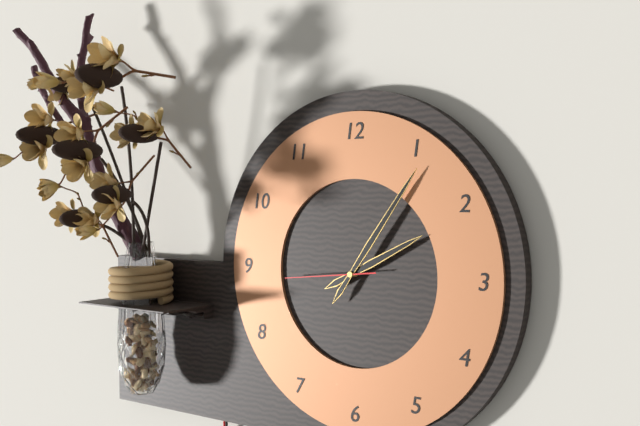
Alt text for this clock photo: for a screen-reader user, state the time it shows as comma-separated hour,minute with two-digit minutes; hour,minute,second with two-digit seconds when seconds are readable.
2,06,44
